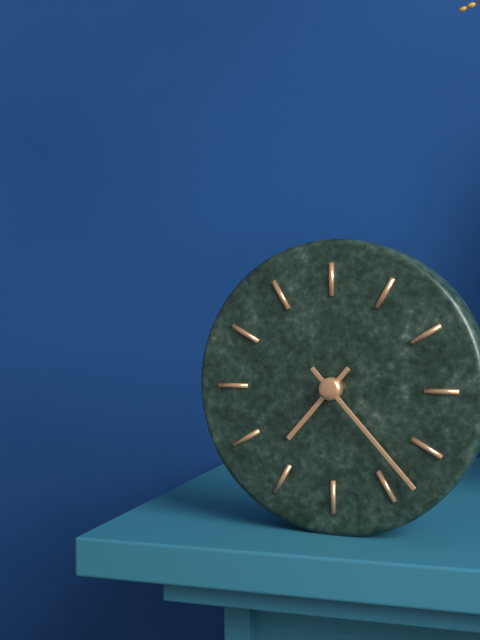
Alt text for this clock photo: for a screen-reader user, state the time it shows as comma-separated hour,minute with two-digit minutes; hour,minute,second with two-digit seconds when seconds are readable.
7,23
